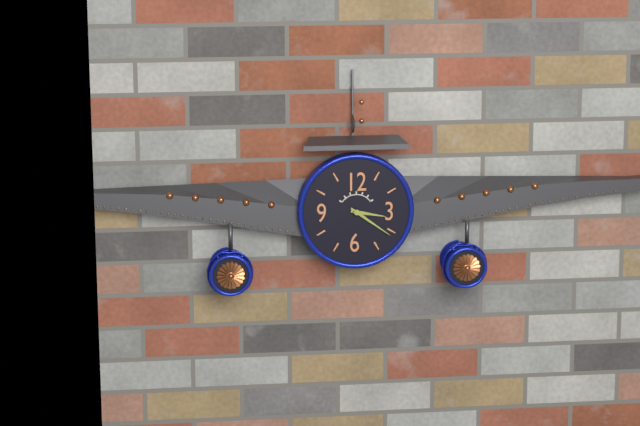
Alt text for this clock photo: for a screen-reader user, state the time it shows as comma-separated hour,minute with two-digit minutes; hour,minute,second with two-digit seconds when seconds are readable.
3,21
